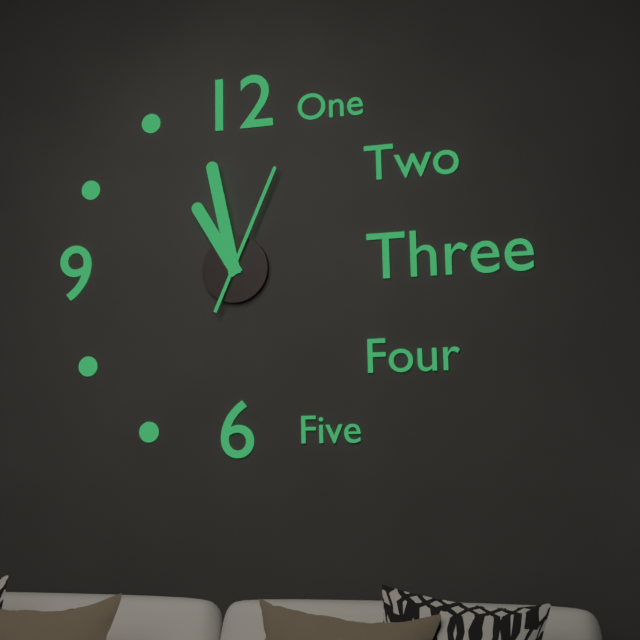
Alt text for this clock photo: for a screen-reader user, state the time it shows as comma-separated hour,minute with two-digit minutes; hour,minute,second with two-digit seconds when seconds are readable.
10,58,04
